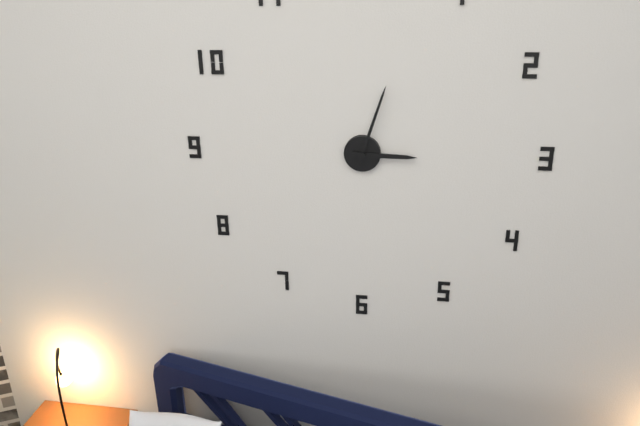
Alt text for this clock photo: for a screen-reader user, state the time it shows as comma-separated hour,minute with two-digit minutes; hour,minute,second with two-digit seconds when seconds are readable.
3,03
